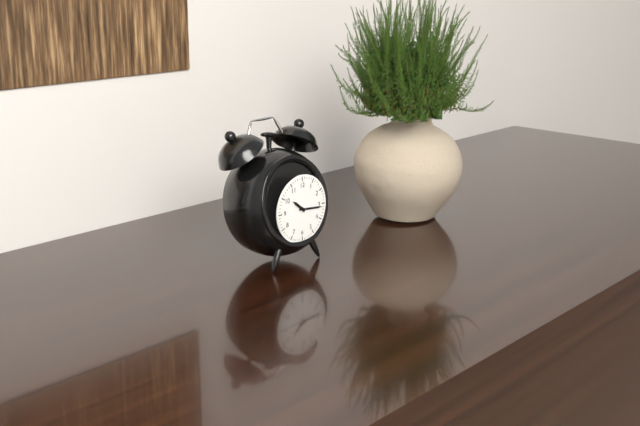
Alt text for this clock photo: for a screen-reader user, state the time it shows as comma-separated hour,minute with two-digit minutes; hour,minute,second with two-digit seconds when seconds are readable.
10,16
